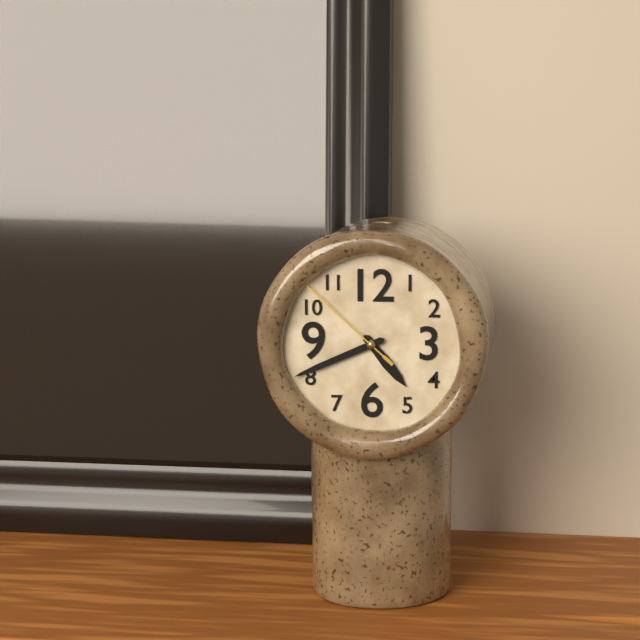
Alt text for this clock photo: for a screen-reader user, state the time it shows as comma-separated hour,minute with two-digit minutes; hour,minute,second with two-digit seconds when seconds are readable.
4,41,52
